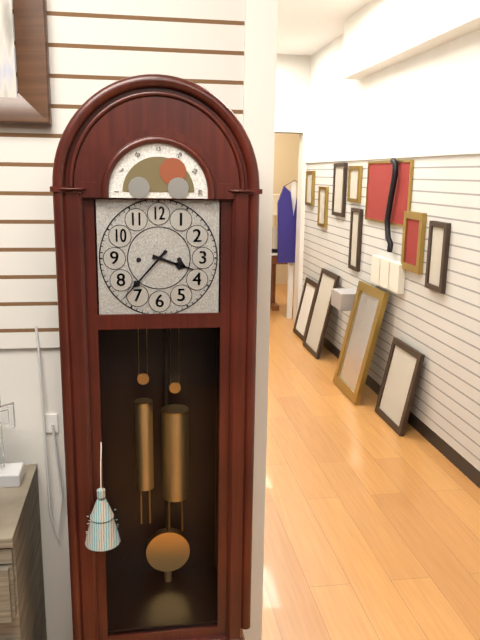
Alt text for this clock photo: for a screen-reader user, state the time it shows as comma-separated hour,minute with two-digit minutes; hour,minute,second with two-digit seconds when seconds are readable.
3,37
